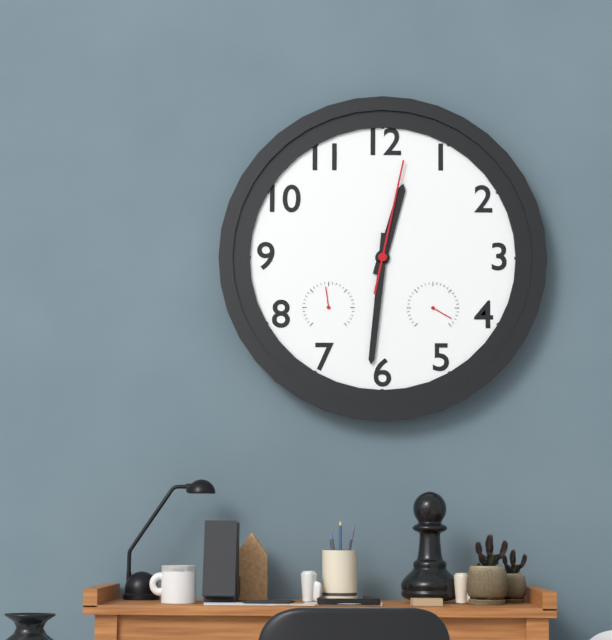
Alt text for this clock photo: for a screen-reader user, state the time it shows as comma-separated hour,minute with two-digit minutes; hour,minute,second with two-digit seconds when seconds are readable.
12,31,02
